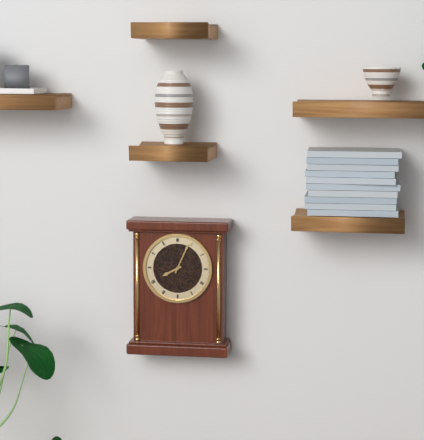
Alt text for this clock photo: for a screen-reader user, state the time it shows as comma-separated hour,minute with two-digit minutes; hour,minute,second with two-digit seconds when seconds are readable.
8,04
